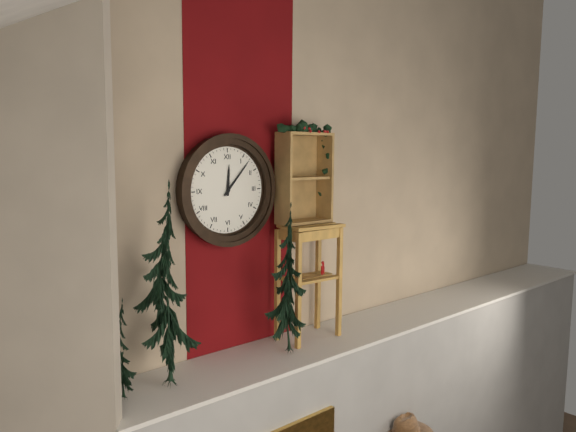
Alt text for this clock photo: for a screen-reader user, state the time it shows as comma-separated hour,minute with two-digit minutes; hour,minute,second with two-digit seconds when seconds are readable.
12,07
